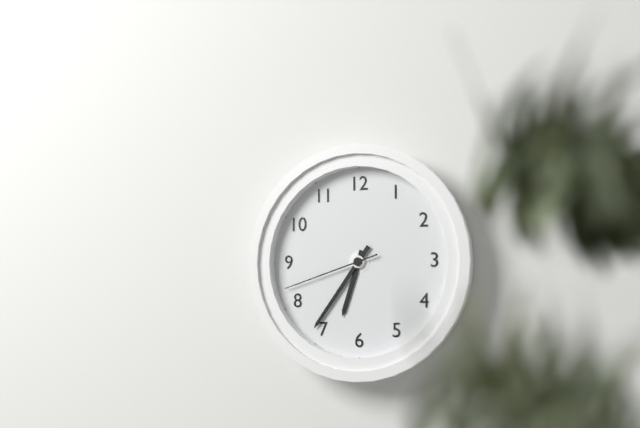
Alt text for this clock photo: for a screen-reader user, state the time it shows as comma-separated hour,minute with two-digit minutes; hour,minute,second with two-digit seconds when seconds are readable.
6,36,42
